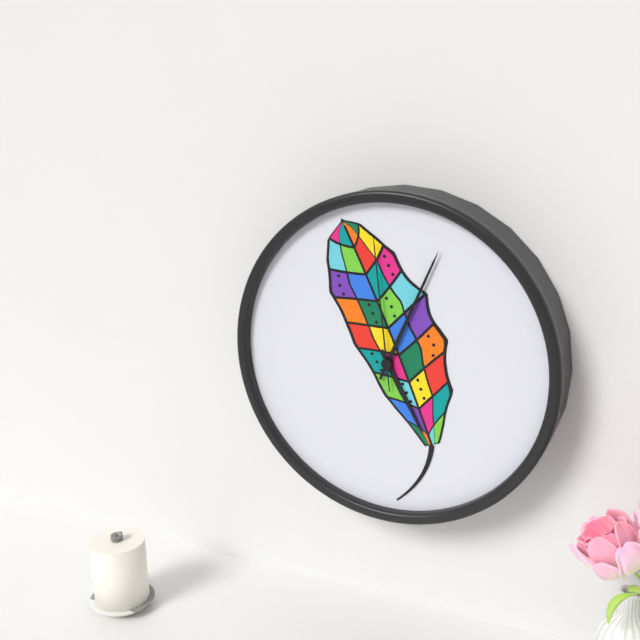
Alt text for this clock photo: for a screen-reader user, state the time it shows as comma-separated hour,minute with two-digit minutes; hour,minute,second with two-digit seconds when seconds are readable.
5,04,59
